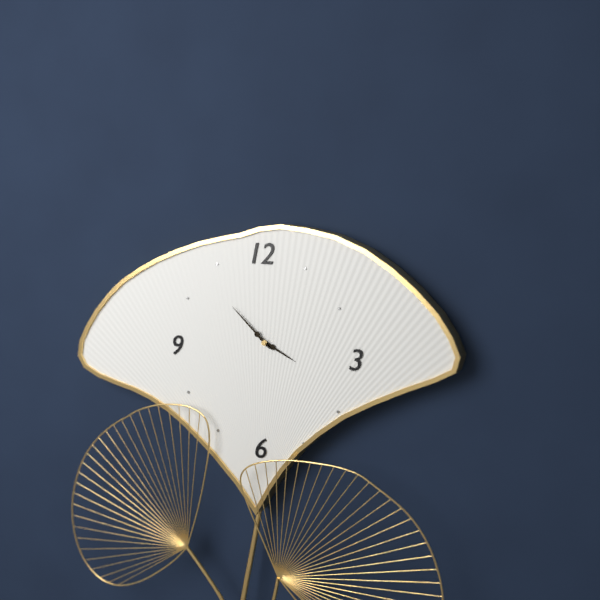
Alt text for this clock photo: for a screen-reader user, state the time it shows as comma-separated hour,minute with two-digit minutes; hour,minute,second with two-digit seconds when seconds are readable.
3,52
